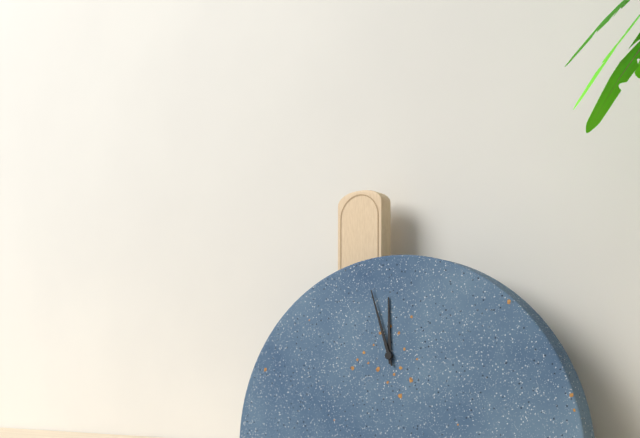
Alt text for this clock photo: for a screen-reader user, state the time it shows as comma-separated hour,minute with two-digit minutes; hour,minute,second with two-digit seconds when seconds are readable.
11,57
